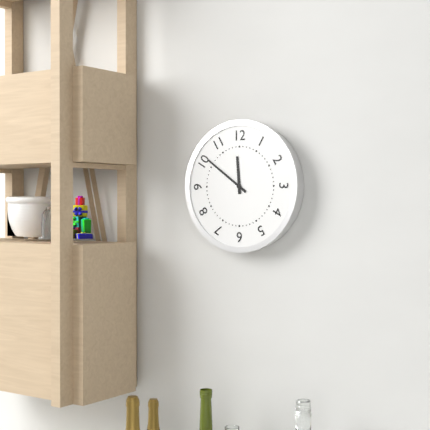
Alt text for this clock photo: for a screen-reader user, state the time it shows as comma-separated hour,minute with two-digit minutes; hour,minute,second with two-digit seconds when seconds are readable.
11,51
